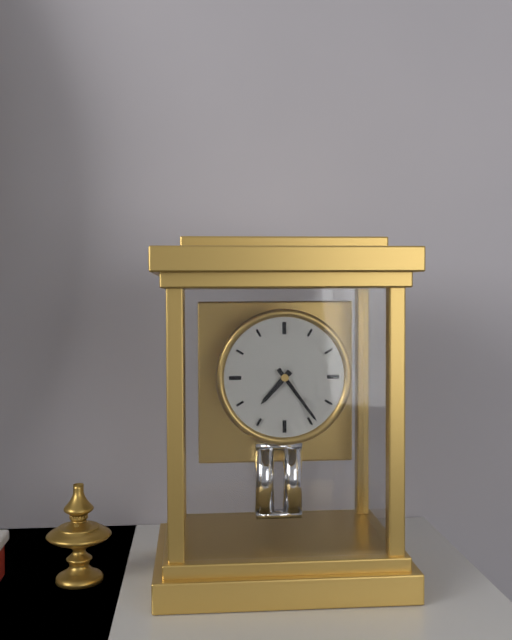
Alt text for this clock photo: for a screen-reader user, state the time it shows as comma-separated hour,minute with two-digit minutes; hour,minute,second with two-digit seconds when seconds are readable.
7,24
